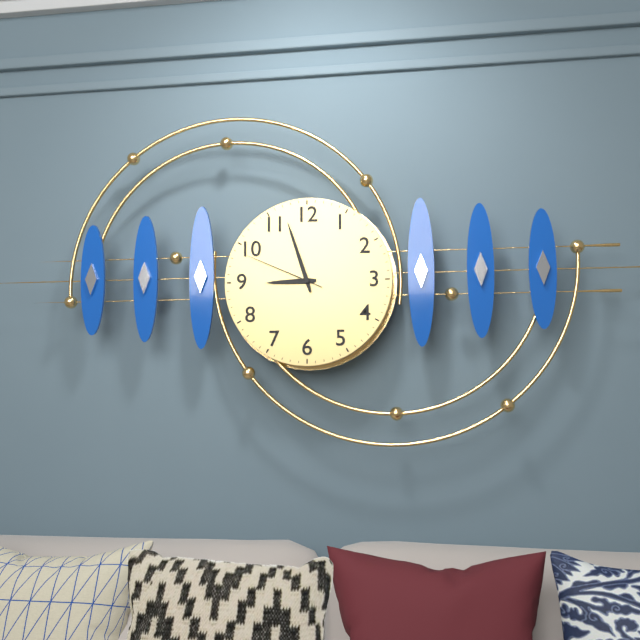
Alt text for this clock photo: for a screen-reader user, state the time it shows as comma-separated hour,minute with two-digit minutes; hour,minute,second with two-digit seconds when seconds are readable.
8,57,49
